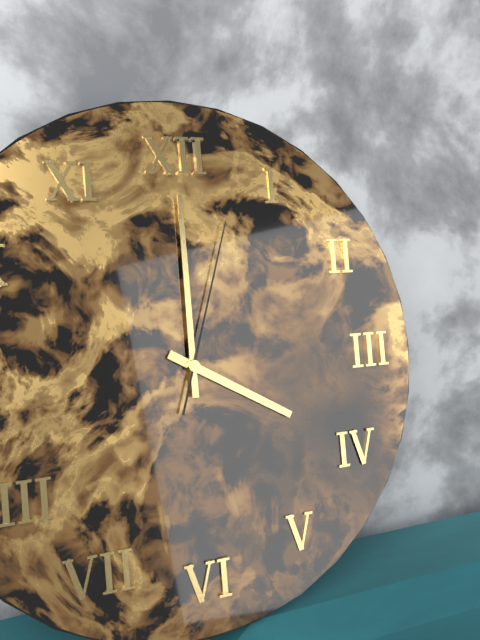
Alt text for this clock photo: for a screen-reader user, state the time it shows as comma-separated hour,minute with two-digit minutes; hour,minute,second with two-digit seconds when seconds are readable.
4,00,03
